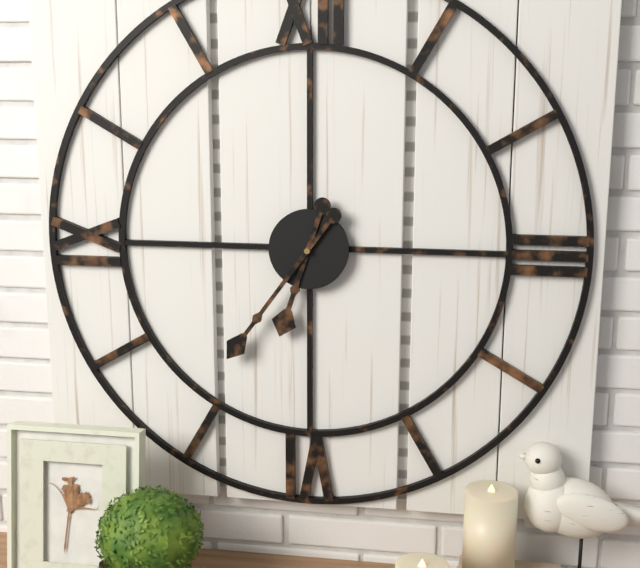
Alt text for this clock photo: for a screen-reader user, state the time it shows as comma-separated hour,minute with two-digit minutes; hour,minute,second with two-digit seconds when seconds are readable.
6,36
